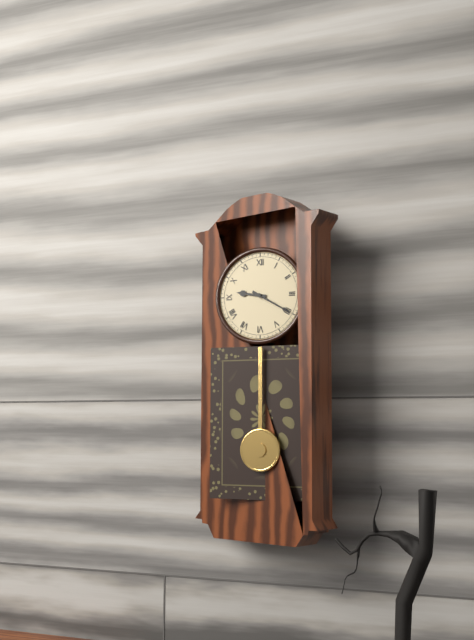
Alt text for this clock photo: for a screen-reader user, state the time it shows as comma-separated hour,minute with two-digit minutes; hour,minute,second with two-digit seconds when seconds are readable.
9,20
